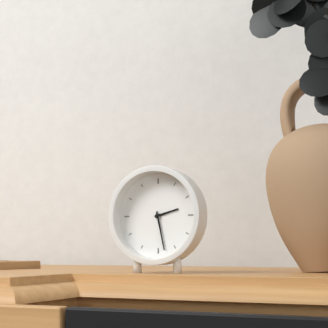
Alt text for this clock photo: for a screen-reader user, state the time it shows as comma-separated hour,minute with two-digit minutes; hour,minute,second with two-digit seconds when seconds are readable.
2,28
